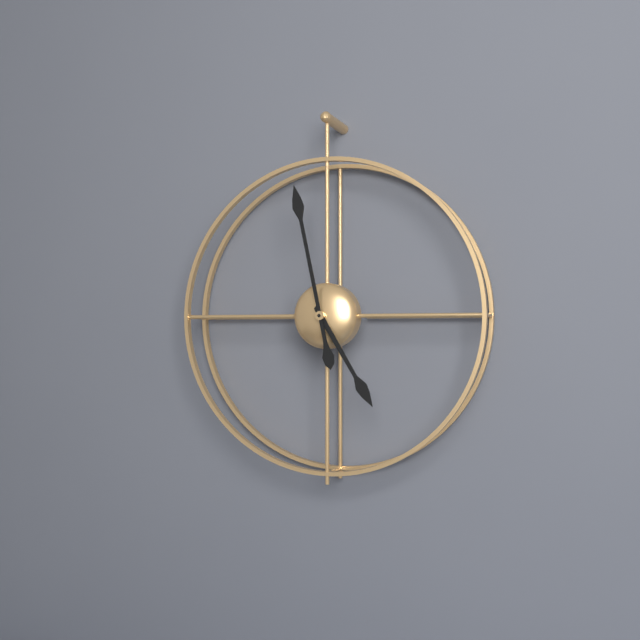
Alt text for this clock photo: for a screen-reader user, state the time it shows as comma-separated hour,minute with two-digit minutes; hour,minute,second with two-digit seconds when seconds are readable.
4,58
